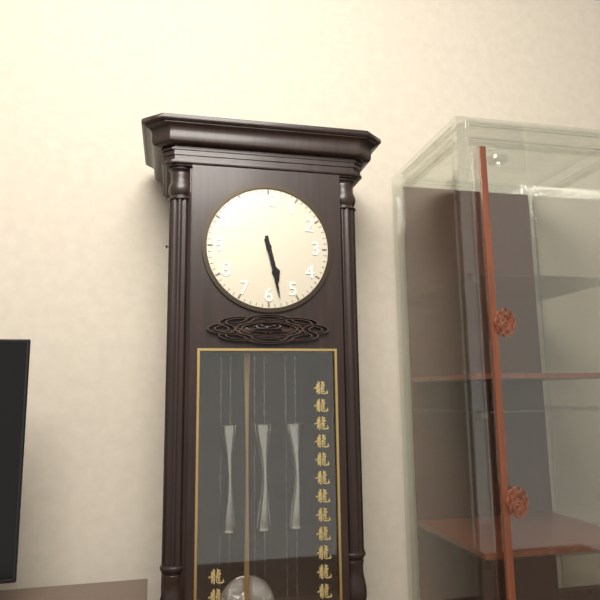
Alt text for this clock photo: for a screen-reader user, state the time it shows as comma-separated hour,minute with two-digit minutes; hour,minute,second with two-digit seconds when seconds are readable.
5,28
